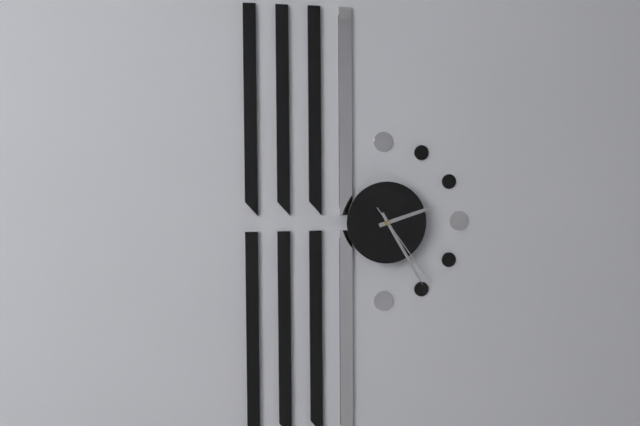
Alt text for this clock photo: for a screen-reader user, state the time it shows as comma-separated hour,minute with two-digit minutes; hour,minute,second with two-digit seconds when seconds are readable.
2,25,24
